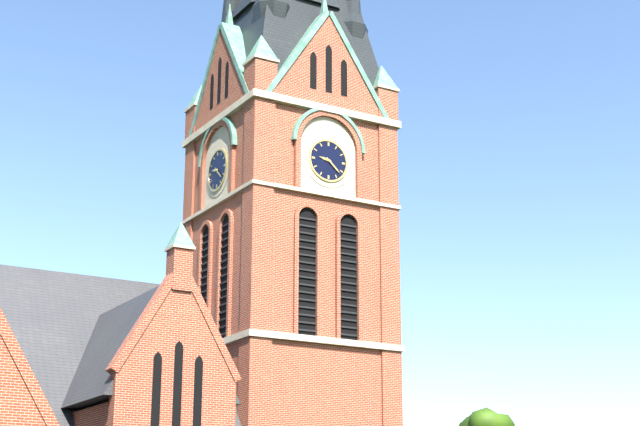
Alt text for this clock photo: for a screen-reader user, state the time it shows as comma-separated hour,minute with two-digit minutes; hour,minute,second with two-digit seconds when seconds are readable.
9,22
